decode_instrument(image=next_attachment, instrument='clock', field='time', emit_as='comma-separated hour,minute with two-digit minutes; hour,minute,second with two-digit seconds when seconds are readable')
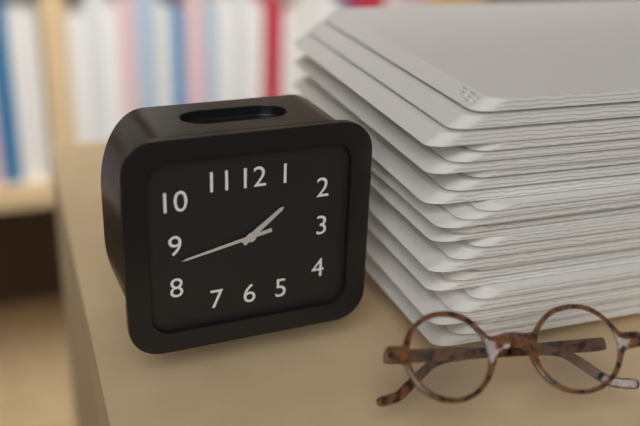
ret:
1,43
